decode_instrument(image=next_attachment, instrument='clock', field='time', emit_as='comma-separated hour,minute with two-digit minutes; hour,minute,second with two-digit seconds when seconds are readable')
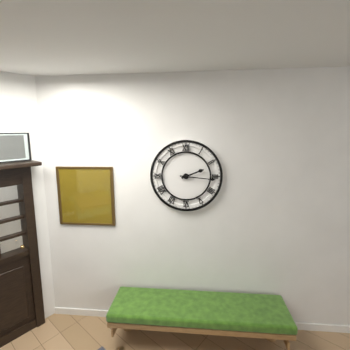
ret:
2,16
